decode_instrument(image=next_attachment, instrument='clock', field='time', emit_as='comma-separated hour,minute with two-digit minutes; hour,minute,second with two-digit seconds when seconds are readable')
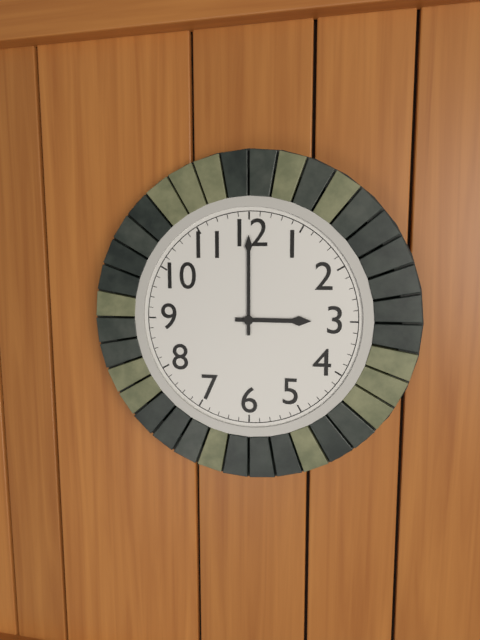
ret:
3,00
